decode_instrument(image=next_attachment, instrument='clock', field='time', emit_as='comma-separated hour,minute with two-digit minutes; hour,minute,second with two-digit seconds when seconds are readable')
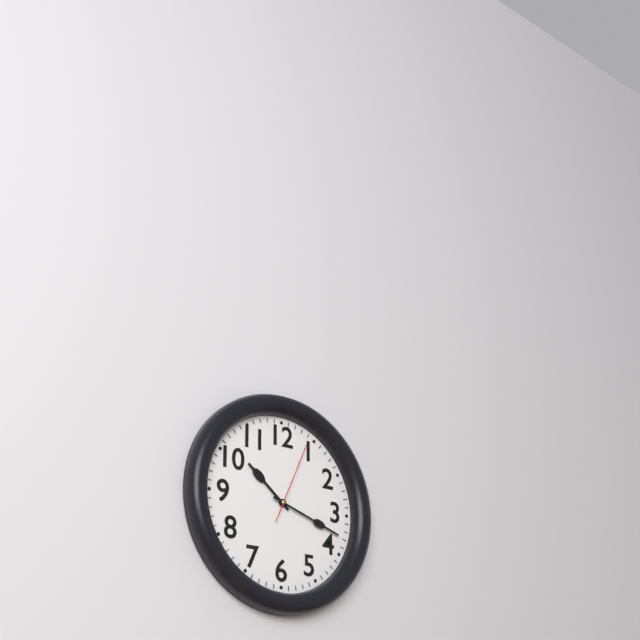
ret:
10,18,04
